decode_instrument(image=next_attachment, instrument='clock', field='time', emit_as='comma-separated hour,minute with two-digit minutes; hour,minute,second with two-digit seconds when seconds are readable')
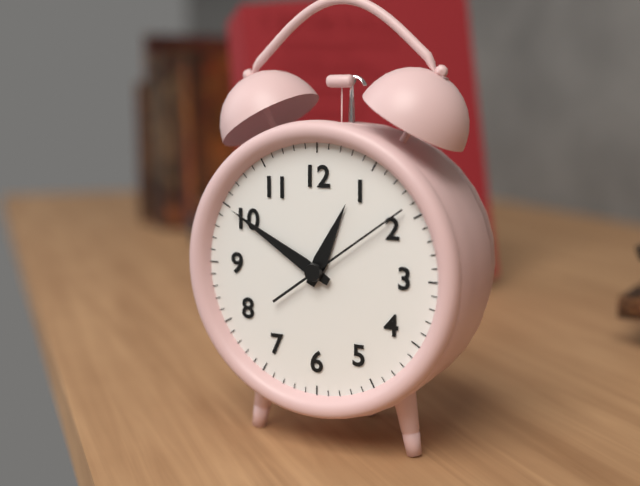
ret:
12,50,09
